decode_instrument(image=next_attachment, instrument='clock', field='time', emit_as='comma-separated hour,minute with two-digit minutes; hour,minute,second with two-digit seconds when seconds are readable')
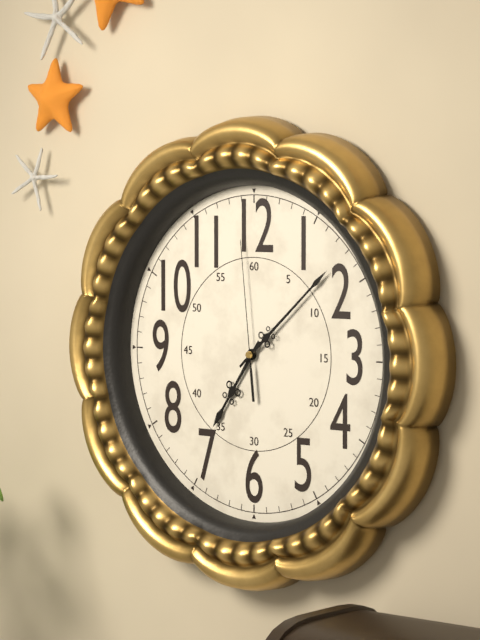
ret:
7,08,59
